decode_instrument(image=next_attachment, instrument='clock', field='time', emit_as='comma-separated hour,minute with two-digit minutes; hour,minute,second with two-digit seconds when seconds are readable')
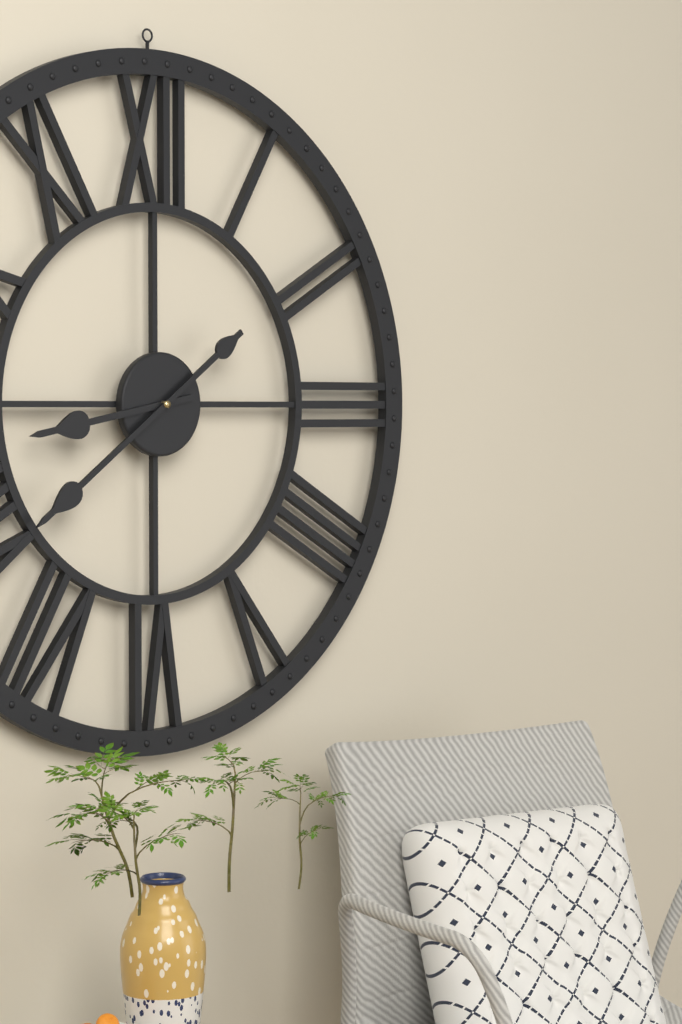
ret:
8,39
